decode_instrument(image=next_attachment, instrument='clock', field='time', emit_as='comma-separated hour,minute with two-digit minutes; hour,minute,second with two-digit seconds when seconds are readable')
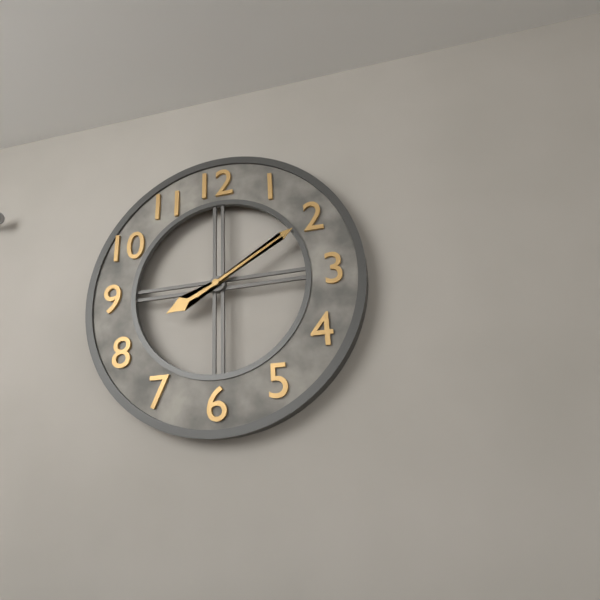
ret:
8,10
